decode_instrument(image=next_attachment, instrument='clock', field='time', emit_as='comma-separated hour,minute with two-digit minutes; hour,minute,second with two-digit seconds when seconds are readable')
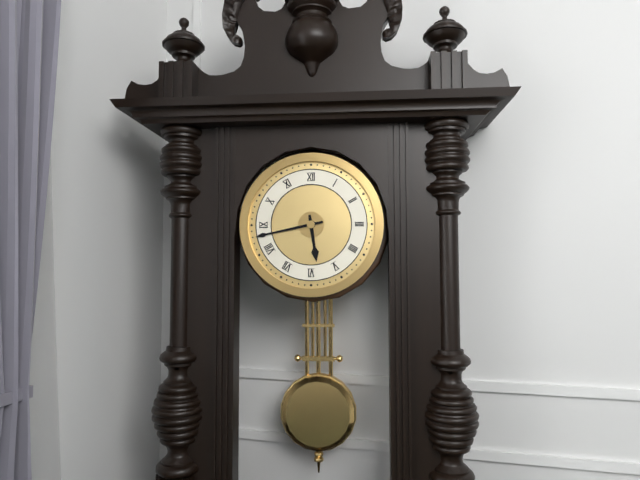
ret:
5,43
